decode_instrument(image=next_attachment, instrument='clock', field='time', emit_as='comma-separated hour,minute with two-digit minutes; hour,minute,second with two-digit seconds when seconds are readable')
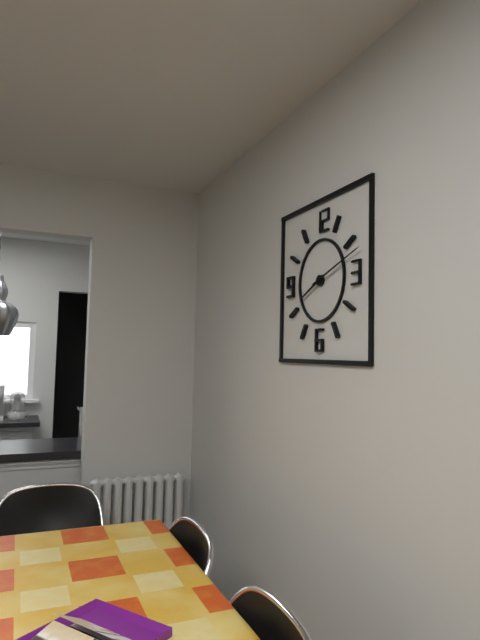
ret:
8,12
